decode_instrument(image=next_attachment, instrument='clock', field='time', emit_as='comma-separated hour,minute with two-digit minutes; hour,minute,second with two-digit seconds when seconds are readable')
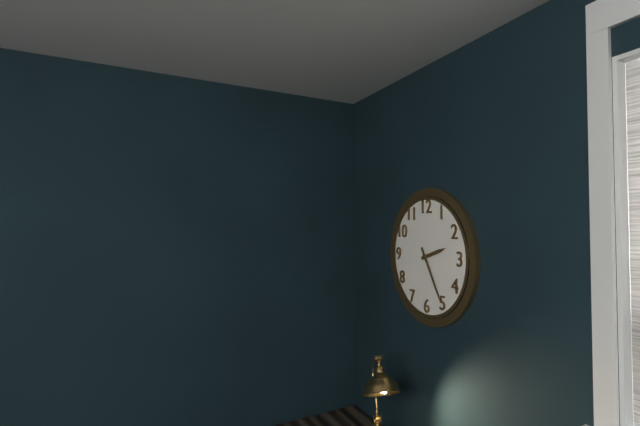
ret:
2,25
